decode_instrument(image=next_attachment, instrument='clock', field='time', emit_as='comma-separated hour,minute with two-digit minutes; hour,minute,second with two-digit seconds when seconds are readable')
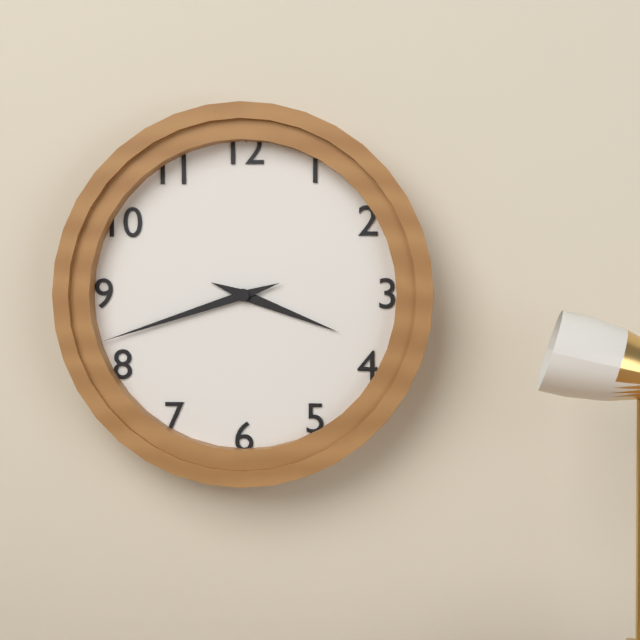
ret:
3,42
